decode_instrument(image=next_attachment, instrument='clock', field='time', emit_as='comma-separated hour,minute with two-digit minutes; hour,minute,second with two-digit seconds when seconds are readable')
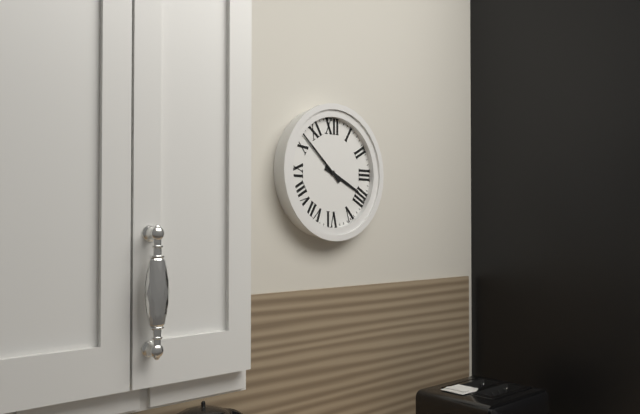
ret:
3,52
